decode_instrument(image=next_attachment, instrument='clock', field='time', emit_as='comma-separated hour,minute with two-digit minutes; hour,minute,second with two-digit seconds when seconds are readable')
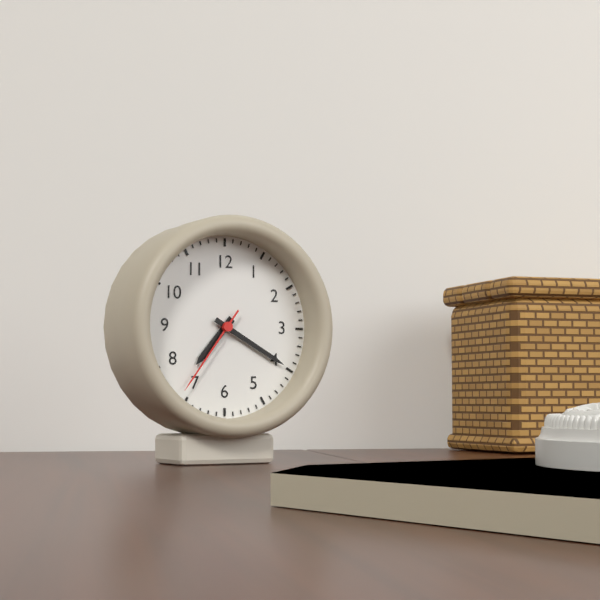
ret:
7,20,36
